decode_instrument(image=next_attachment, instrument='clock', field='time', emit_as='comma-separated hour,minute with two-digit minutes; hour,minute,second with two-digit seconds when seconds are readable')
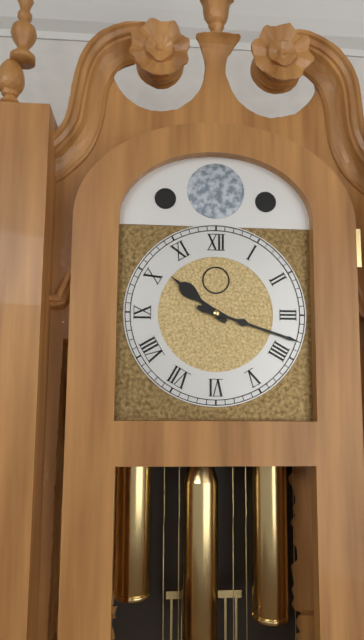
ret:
10,18
